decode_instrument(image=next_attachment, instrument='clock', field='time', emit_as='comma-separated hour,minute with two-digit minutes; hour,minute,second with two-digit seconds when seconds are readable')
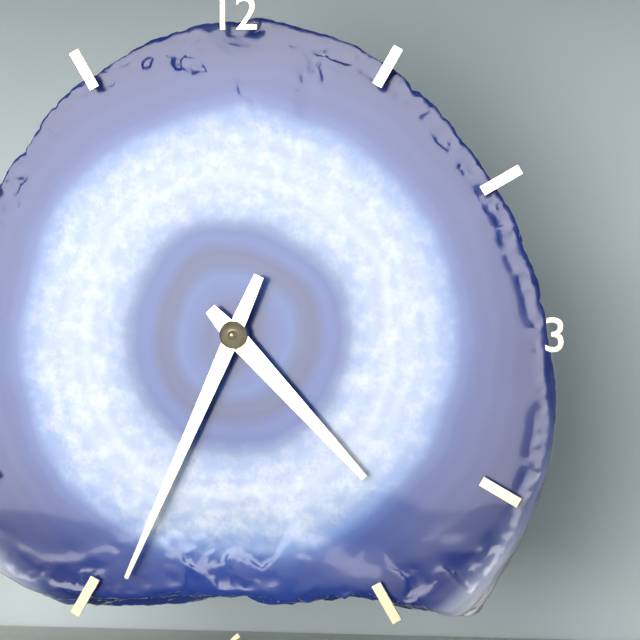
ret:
4,34
